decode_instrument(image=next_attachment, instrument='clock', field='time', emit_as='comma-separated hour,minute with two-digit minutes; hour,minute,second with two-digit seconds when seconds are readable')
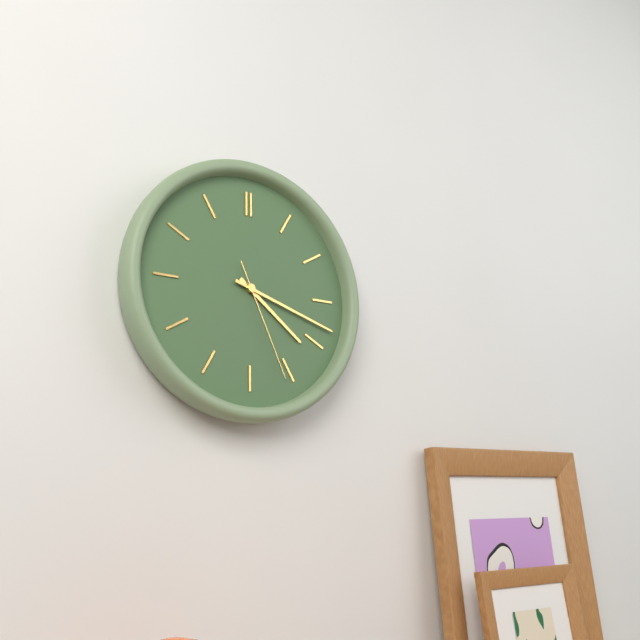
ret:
4,18,26
